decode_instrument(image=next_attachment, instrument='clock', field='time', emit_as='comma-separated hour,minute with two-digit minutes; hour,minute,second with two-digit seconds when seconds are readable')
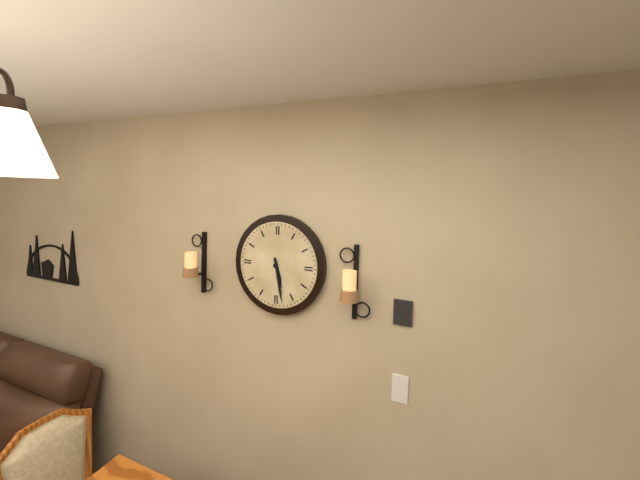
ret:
5,28
